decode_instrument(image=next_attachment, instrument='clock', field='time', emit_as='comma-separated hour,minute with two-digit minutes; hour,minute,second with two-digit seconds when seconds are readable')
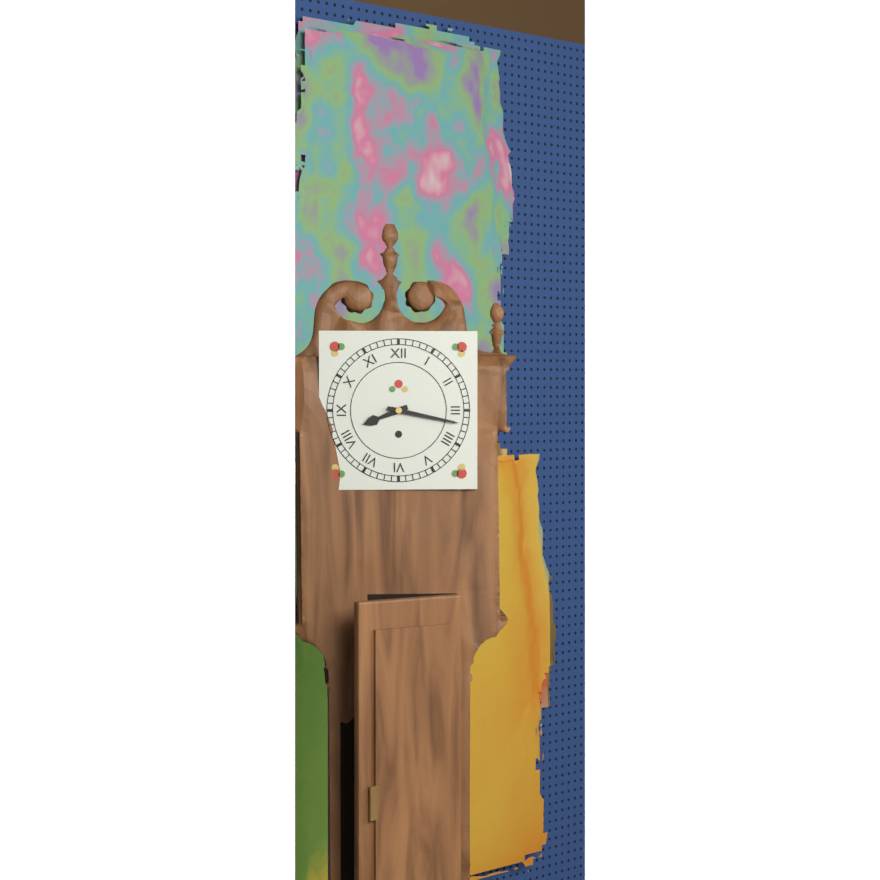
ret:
8,17
